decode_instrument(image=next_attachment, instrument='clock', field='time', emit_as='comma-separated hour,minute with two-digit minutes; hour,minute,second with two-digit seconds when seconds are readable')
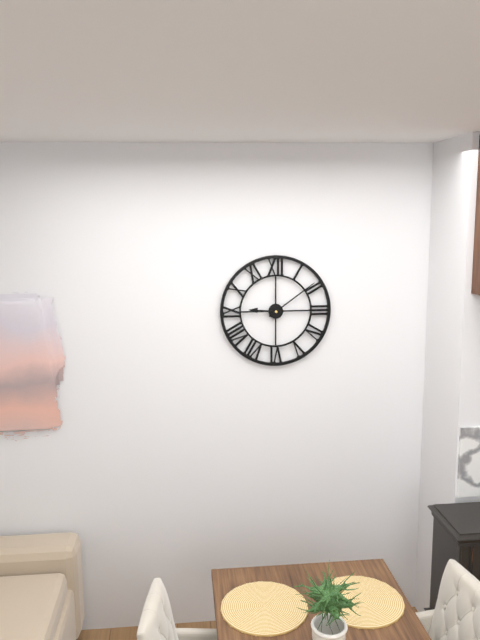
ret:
9,09
